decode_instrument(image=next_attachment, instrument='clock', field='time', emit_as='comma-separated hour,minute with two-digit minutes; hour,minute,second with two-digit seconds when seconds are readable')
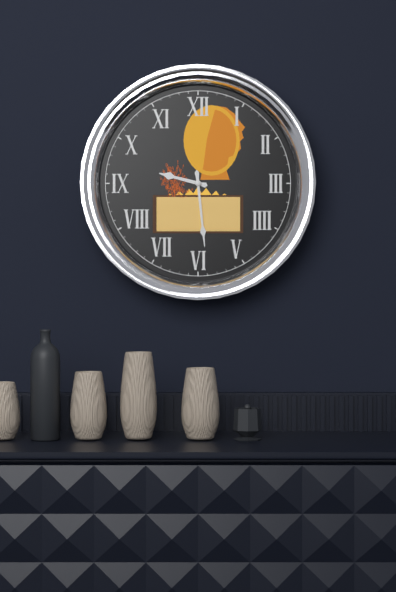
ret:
9,29
